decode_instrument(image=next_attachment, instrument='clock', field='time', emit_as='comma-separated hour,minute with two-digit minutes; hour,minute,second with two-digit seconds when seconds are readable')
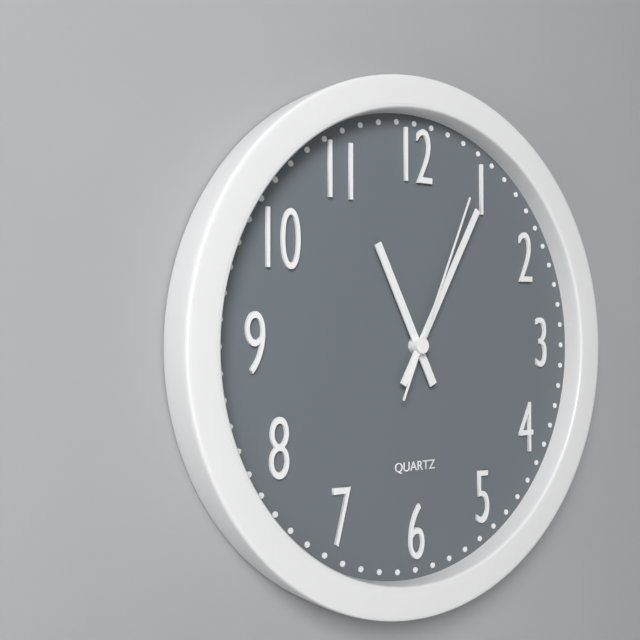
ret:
11,05,04
